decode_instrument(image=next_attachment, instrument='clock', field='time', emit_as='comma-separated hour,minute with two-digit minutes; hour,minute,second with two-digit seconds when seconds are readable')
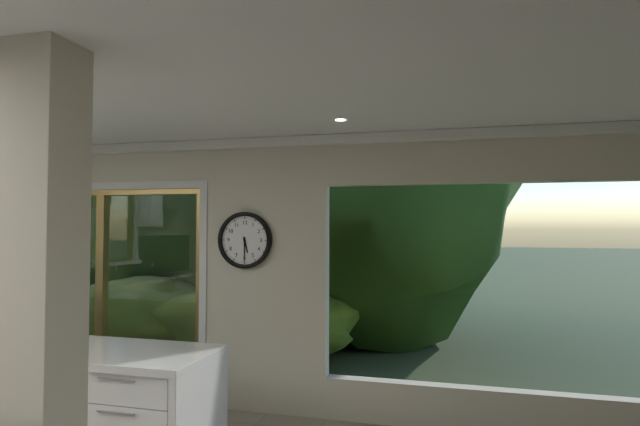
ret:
5,30
